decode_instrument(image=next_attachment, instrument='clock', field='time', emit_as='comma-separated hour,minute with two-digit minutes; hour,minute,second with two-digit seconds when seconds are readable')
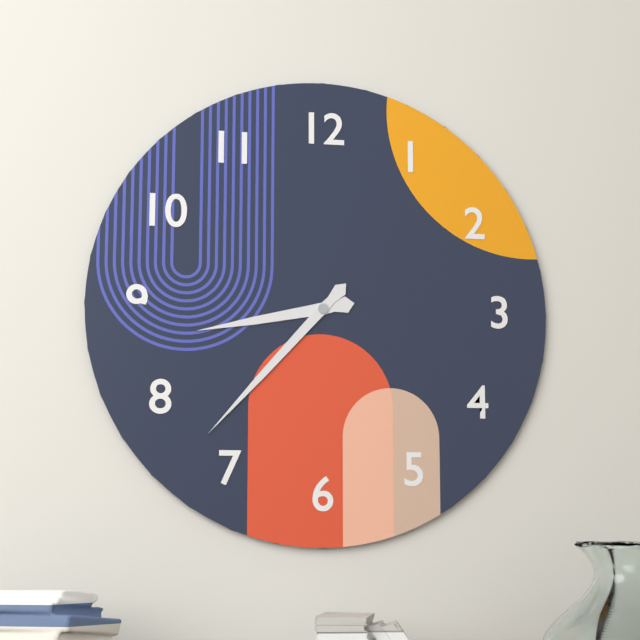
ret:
8,37
